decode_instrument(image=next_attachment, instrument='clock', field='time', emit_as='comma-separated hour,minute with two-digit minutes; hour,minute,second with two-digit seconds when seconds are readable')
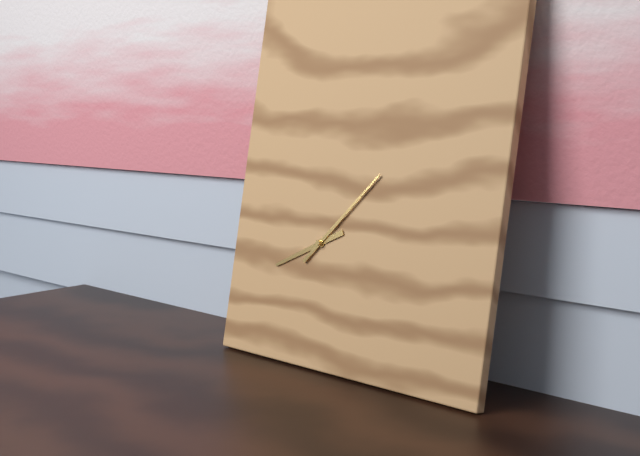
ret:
8,07
